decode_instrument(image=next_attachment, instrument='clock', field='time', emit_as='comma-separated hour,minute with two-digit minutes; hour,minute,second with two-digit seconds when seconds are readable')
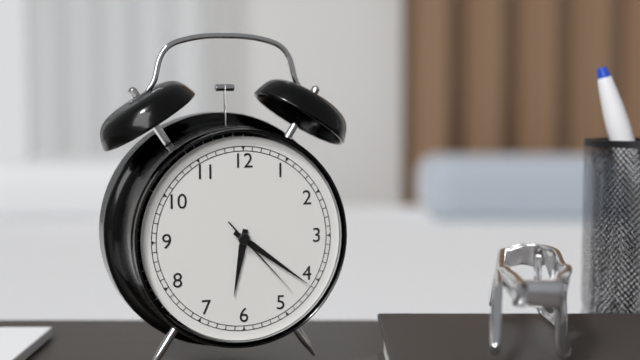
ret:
6,21,23
